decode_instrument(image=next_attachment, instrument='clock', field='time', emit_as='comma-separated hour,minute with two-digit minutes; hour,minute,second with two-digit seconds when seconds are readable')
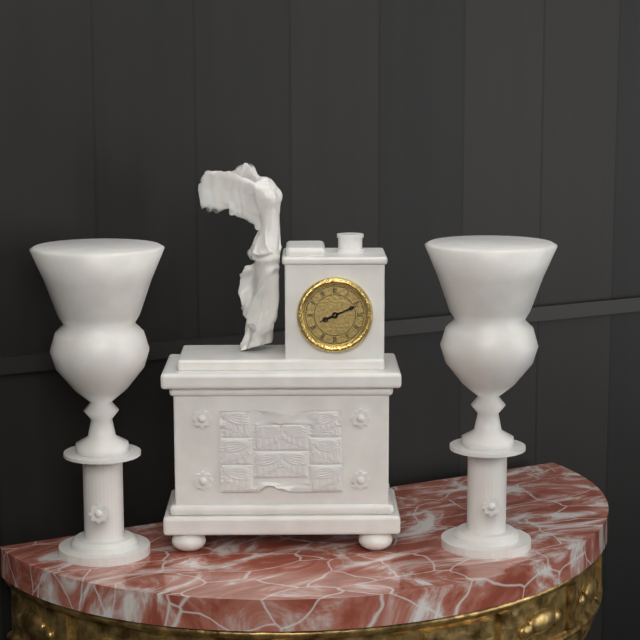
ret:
8,11
